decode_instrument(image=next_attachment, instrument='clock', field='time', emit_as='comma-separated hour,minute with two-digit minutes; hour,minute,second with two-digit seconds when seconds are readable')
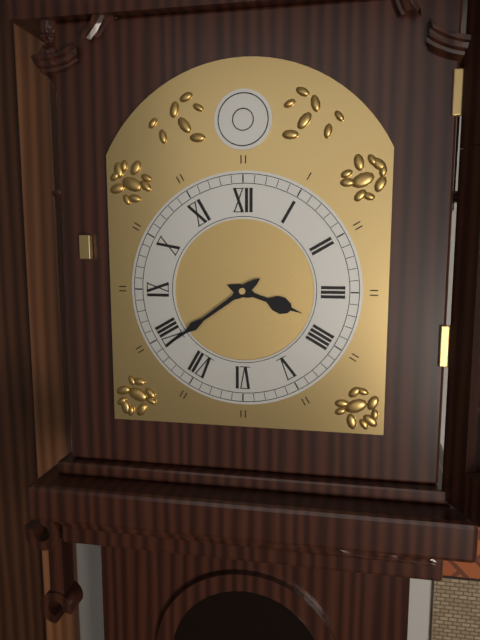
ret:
3,39
